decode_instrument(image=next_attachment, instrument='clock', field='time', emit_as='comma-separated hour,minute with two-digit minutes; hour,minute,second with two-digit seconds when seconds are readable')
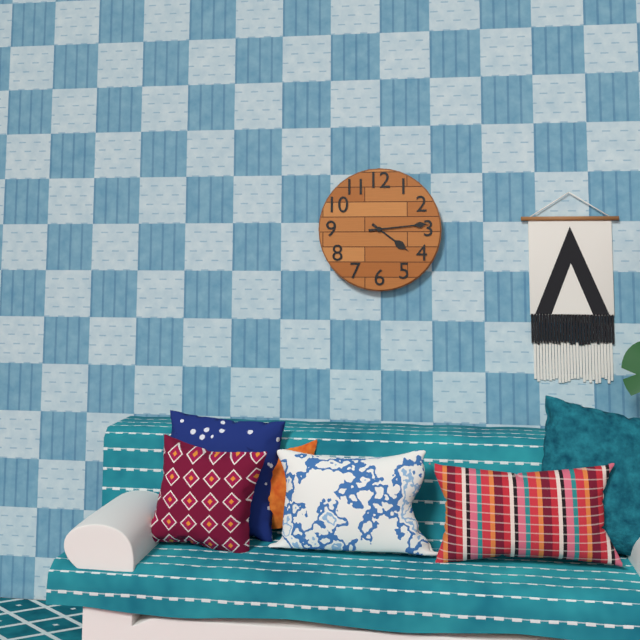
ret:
4,14
